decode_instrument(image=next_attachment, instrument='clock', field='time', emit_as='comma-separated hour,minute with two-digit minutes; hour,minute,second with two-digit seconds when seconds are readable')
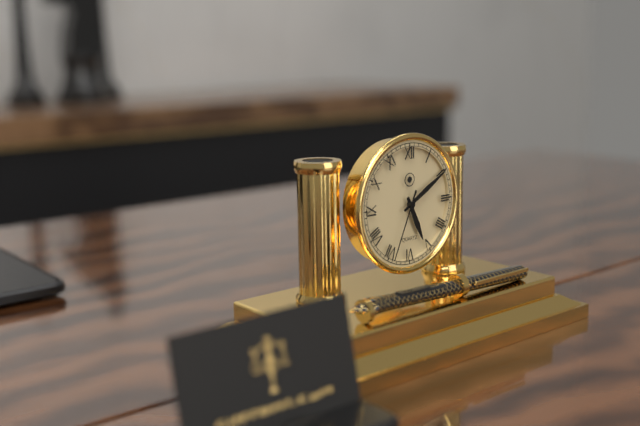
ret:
5,10,34
